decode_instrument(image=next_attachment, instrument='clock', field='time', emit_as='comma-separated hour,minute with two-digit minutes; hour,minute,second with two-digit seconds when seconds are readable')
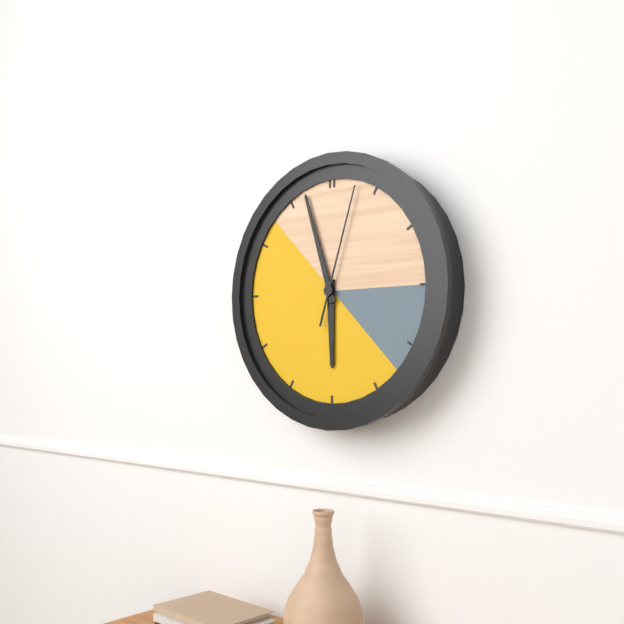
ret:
5,57,03
